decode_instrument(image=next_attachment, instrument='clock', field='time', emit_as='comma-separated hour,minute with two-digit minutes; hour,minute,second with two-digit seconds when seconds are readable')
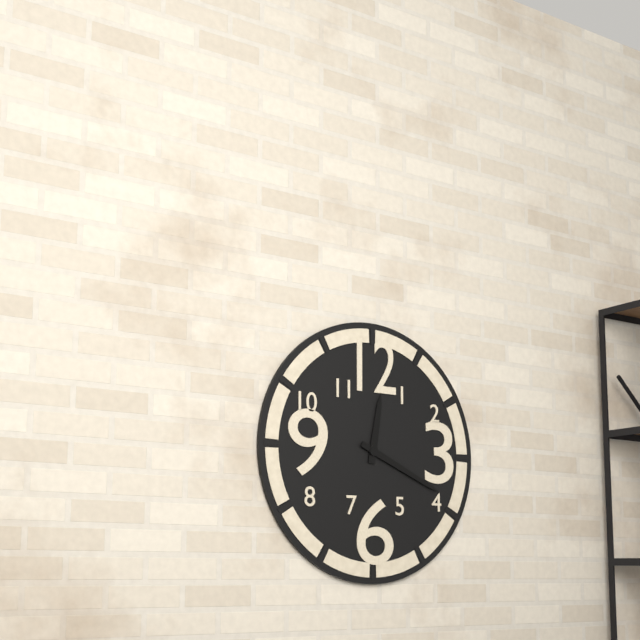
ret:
12,19
